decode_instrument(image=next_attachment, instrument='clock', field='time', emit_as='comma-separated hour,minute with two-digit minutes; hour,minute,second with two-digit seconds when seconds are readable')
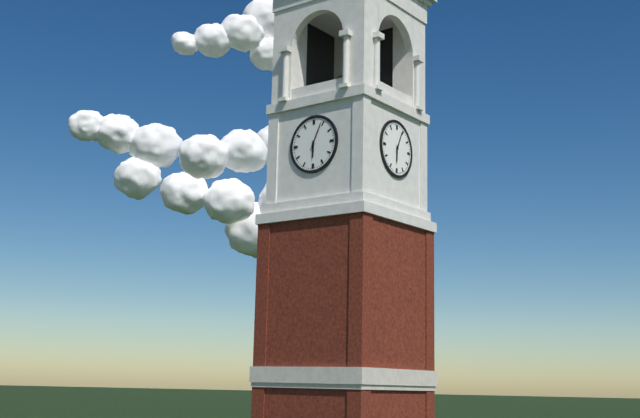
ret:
6,04
